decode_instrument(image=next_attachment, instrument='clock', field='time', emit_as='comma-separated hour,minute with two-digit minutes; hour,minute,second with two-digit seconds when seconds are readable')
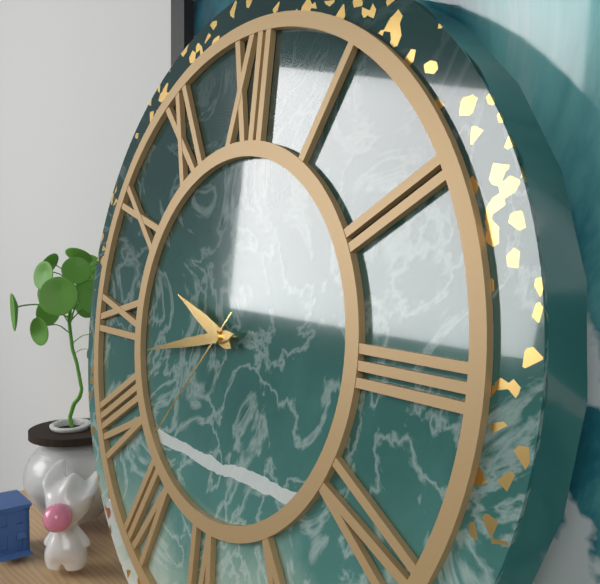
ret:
9,43,37
